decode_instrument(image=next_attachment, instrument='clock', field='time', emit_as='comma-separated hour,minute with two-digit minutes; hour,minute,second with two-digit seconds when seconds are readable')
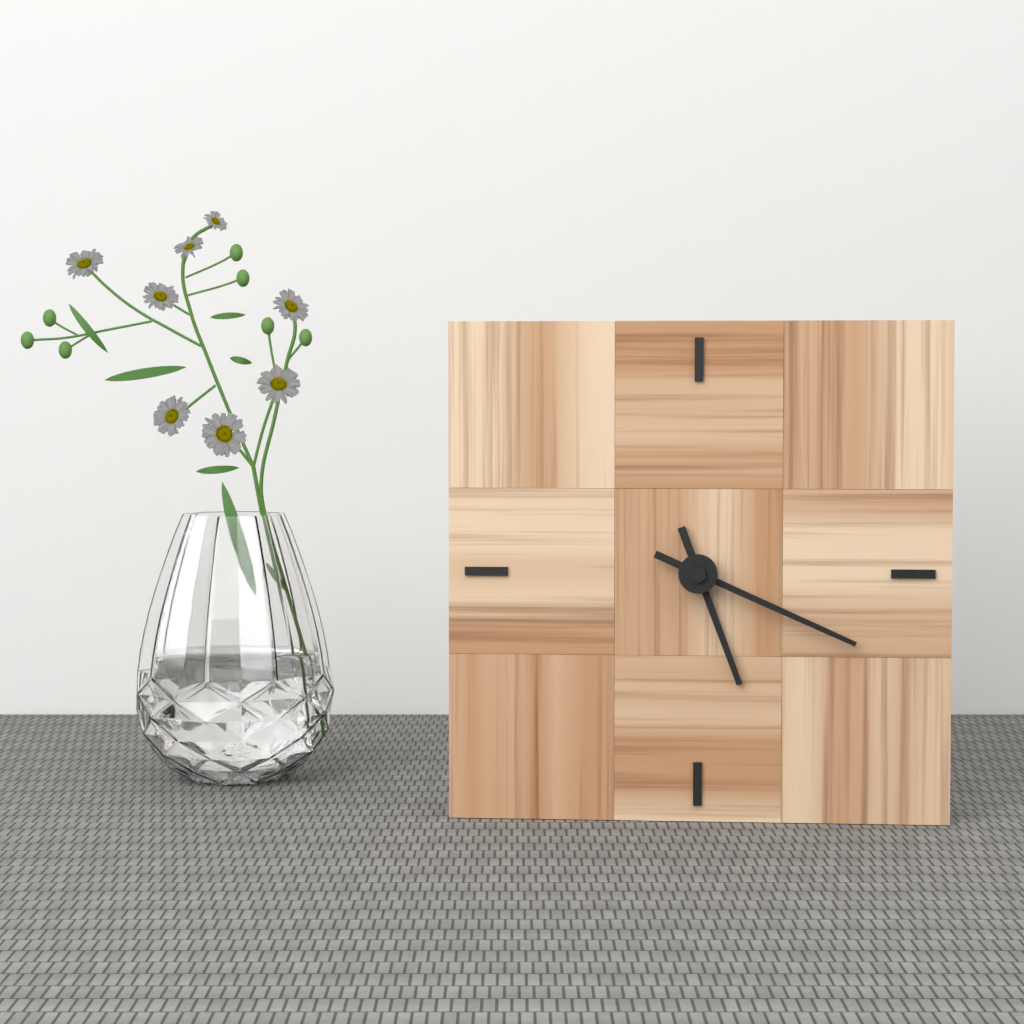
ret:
5,19
